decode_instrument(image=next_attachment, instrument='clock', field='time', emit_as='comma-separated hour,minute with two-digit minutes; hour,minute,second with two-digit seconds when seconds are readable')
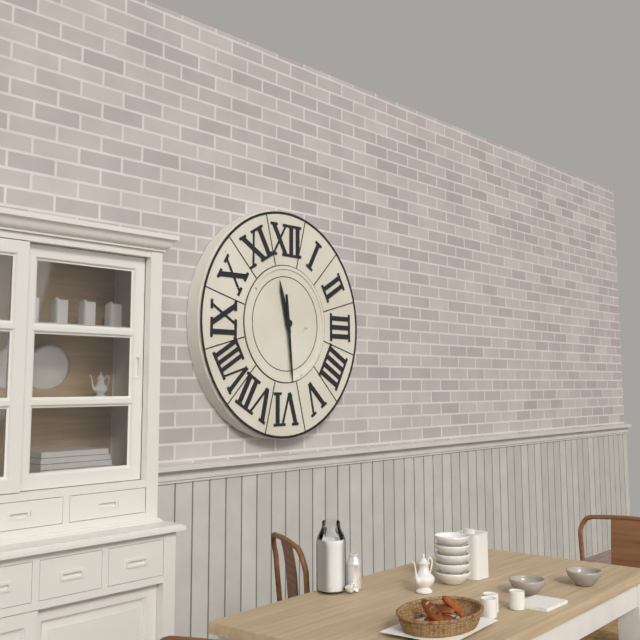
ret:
11,29
